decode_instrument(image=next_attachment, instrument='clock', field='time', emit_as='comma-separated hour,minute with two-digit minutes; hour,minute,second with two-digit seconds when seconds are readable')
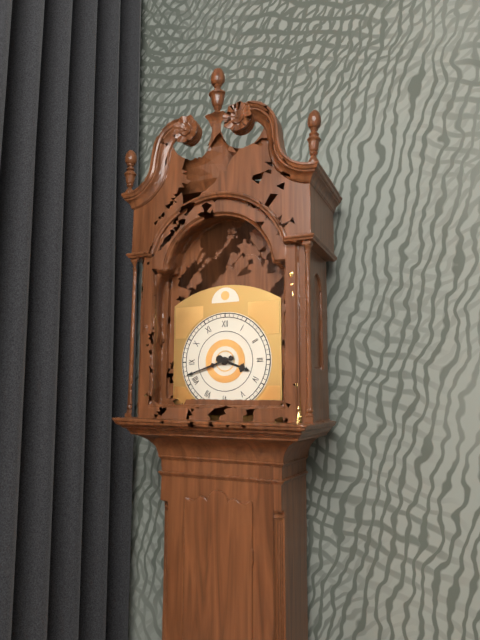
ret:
3,42
